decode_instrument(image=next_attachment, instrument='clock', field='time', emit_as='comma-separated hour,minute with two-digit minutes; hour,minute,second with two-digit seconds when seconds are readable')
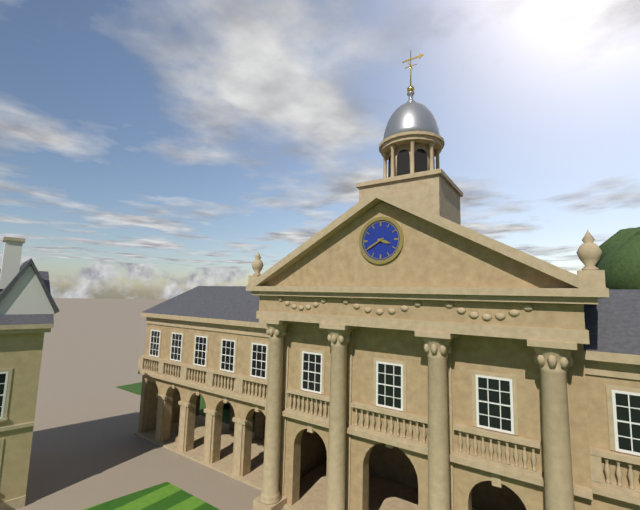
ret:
3,40
